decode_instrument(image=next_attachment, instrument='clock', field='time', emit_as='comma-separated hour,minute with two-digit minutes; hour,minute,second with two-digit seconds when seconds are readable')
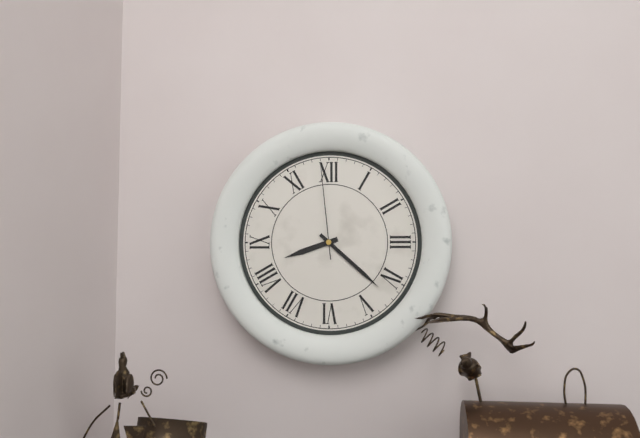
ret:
8,22,59
